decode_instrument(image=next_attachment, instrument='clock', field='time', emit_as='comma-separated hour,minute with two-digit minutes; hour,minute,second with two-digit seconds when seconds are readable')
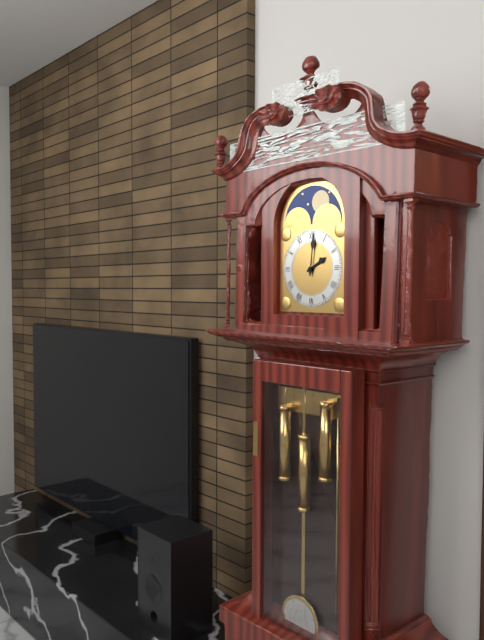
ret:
2,01
